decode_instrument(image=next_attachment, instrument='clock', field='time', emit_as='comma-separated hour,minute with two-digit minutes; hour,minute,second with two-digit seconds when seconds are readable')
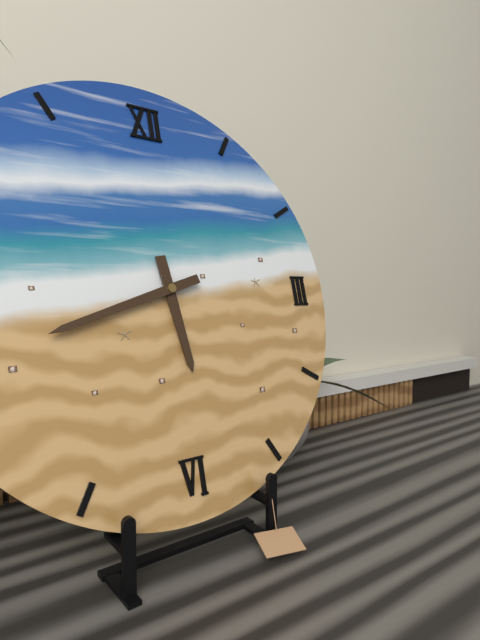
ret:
5,42
